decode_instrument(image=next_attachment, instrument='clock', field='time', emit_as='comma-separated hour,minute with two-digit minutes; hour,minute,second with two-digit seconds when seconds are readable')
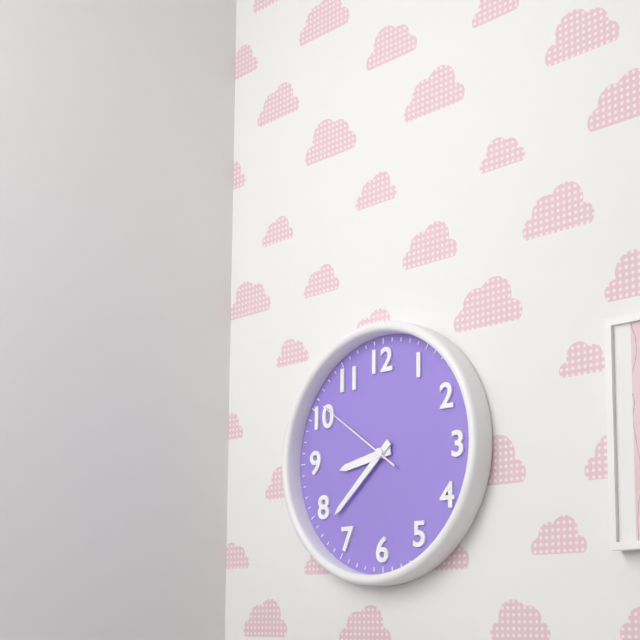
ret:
8,38,51
